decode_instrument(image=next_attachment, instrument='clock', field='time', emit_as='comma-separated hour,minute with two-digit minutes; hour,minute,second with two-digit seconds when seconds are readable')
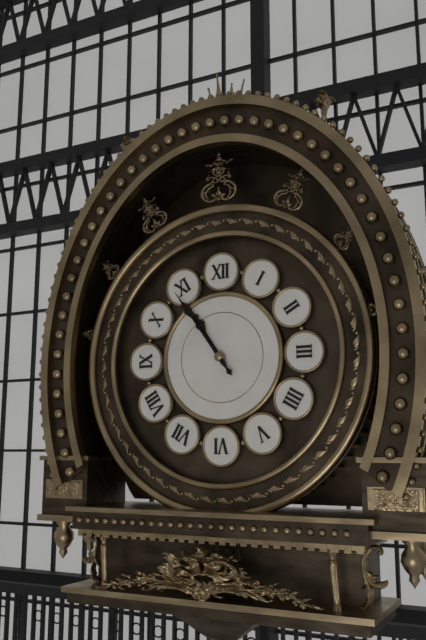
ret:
10,54
